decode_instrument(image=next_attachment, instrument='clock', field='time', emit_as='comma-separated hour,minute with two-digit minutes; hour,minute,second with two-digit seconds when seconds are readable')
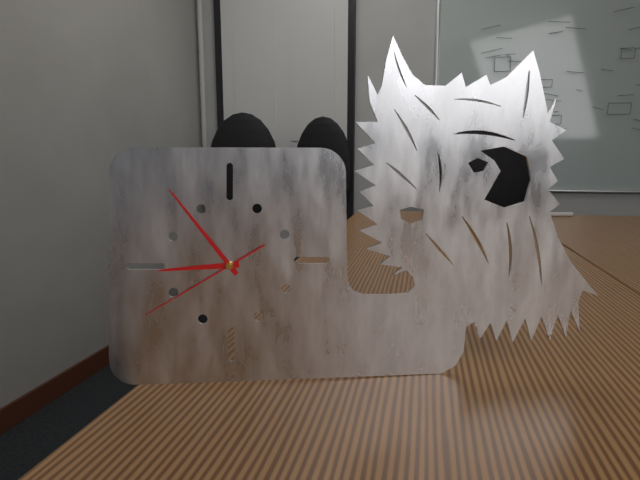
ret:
8,54,40
